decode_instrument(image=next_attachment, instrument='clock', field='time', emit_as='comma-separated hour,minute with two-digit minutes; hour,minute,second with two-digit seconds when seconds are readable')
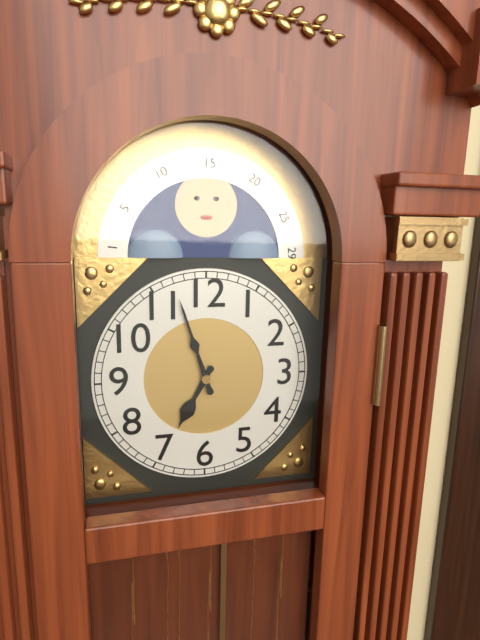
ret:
6,57
